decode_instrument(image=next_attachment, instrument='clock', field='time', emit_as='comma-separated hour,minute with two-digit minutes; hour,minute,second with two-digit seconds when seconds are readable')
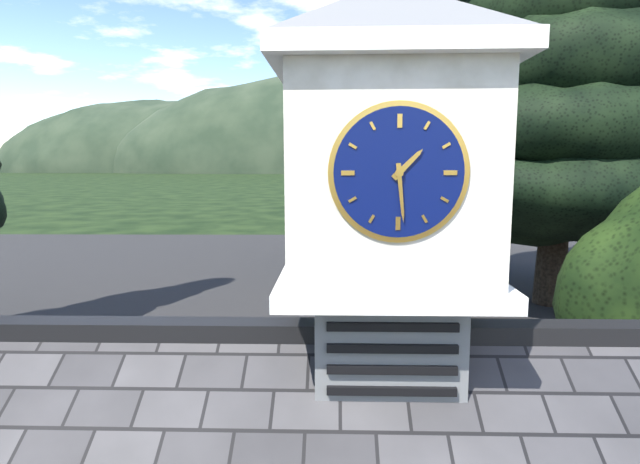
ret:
1,29
